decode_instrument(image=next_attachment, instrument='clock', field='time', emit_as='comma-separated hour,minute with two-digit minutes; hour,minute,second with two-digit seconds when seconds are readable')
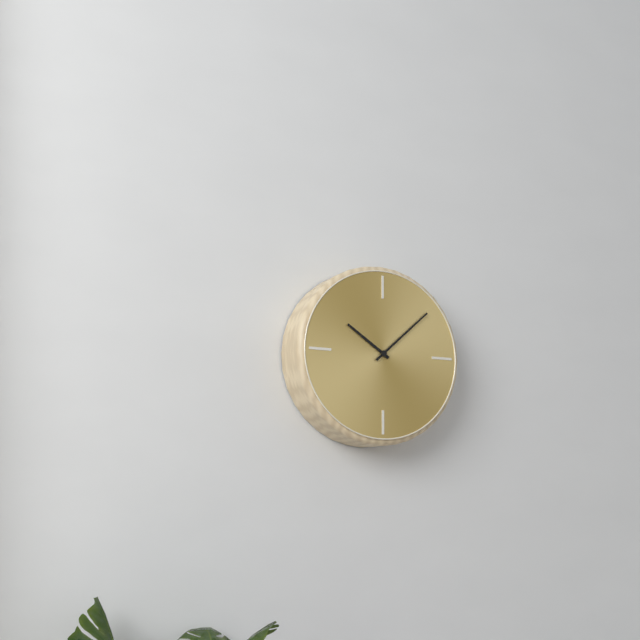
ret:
10,08
